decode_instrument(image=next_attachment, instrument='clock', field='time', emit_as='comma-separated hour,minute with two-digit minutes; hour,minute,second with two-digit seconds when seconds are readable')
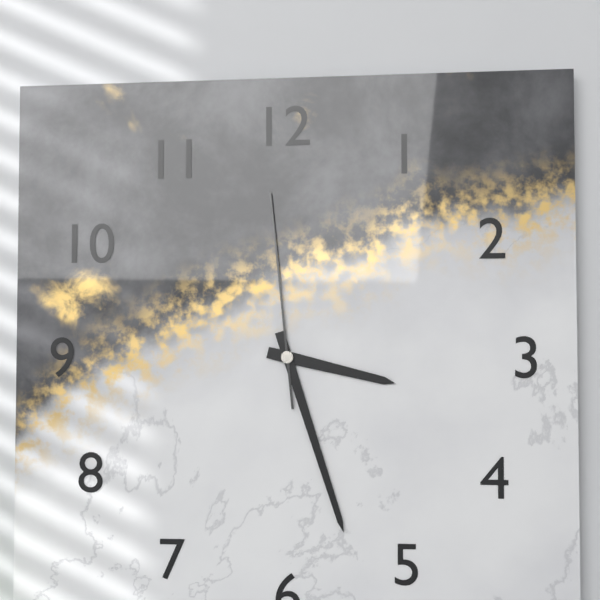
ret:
3,27,59
